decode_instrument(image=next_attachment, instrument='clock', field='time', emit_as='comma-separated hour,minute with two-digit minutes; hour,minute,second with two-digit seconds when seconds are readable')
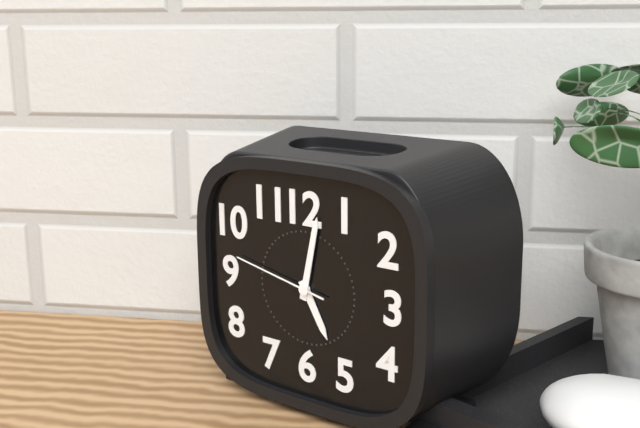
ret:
5,02,47
